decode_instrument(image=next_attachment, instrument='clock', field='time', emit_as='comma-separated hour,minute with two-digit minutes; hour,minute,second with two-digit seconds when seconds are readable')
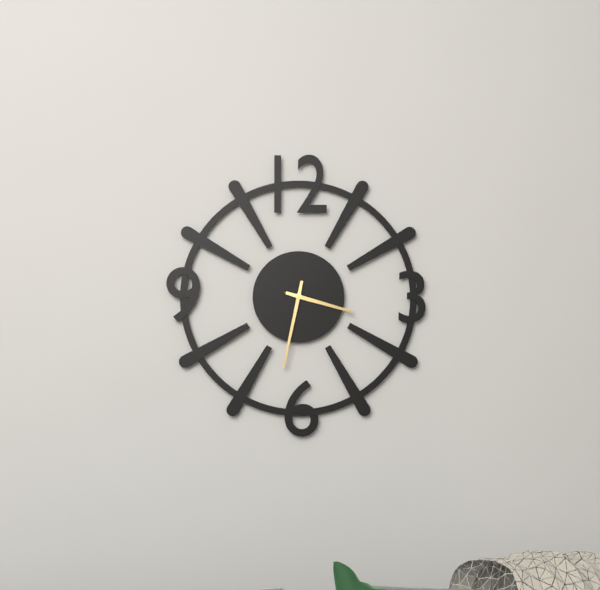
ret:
3,32
